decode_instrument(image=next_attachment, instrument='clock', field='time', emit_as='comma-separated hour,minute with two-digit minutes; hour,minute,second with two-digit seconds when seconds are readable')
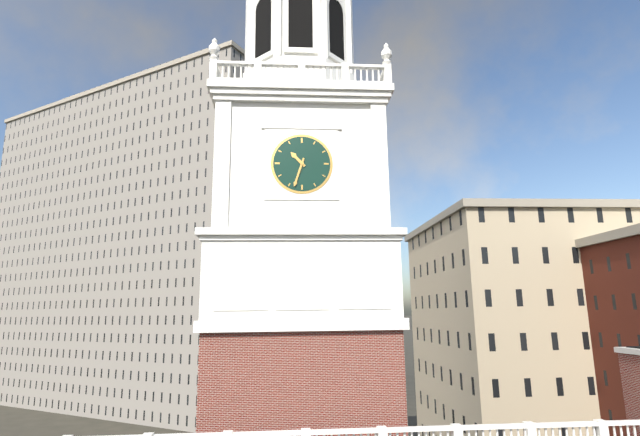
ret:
10,33
